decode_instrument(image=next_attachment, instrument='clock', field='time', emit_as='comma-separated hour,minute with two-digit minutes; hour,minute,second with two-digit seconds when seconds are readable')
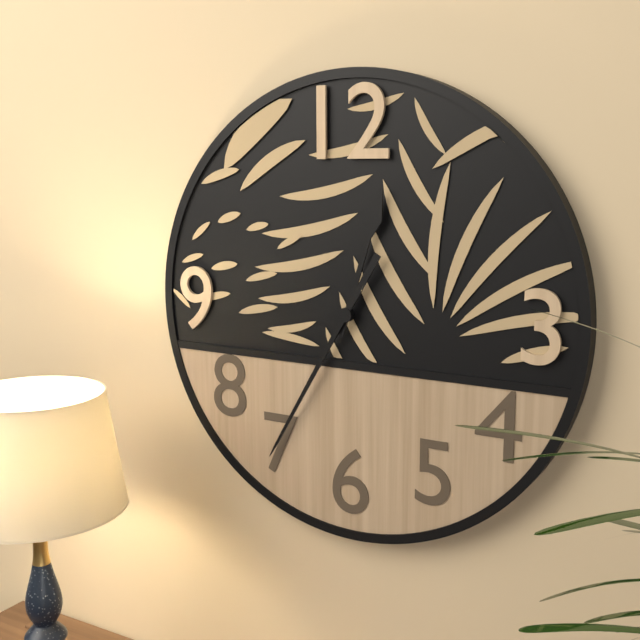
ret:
12,35
